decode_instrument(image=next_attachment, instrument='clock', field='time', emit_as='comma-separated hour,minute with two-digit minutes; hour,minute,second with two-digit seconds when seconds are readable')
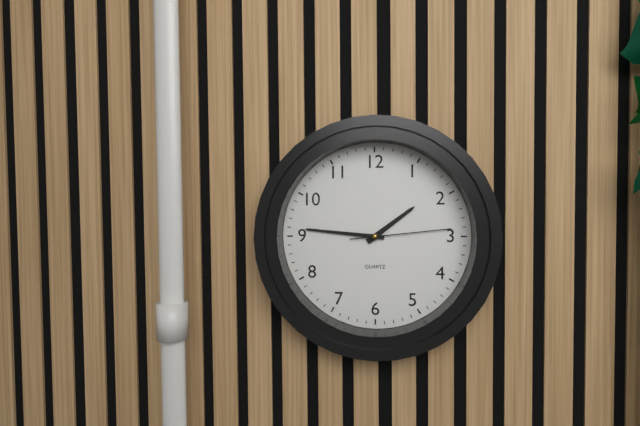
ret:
1,46,14
